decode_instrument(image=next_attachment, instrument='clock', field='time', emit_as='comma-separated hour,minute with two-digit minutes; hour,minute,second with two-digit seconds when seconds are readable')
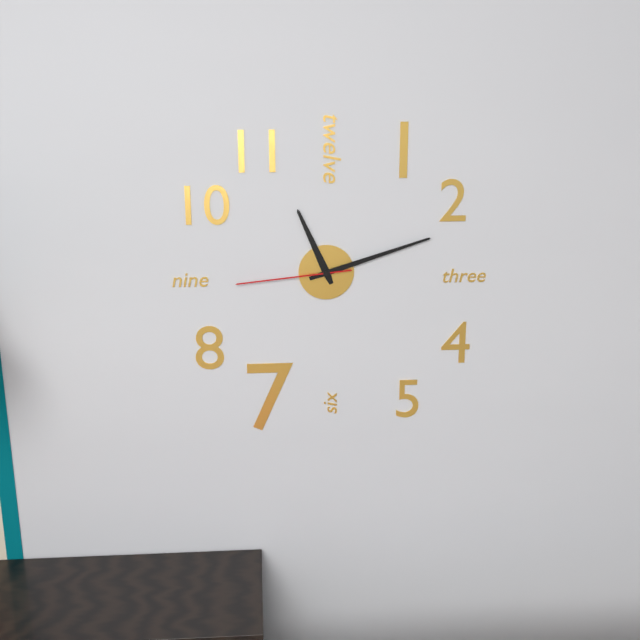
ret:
11,12,44
